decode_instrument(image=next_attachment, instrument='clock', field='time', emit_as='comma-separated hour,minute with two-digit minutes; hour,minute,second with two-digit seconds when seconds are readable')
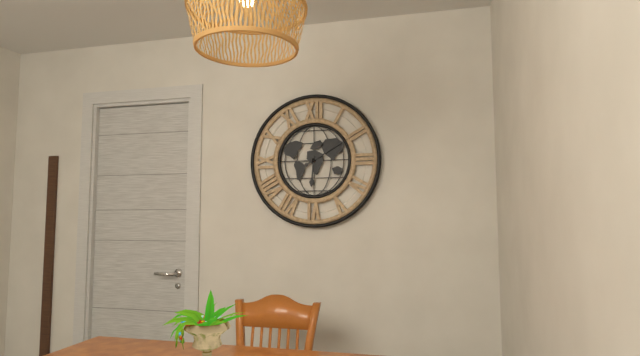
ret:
6,10
